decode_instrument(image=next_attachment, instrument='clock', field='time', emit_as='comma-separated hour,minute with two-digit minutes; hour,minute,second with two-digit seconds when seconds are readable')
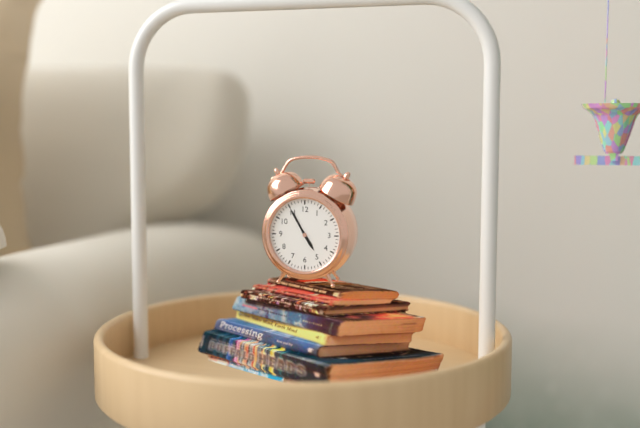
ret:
4,55
